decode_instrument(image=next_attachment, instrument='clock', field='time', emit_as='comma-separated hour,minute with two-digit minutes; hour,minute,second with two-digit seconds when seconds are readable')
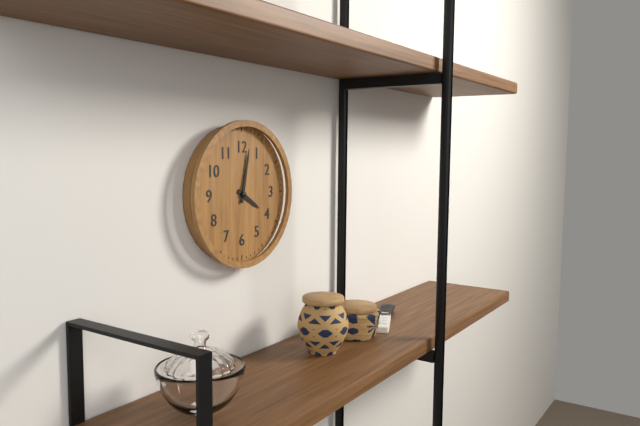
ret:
4,02
